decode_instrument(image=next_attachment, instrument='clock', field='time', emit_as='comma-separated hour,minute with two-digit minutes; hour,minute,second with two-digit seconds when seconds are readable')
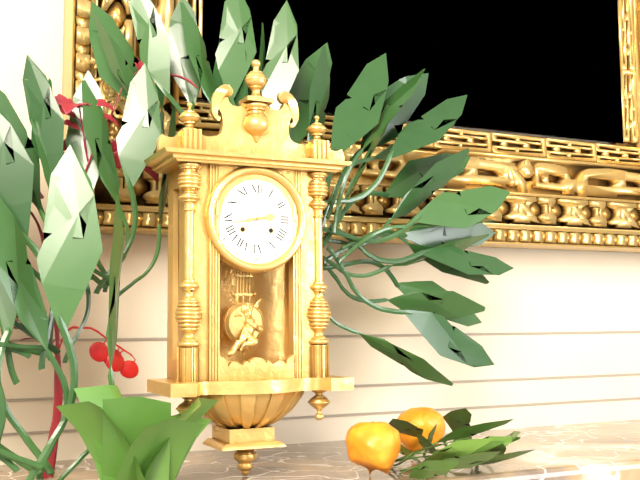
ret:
2,43
